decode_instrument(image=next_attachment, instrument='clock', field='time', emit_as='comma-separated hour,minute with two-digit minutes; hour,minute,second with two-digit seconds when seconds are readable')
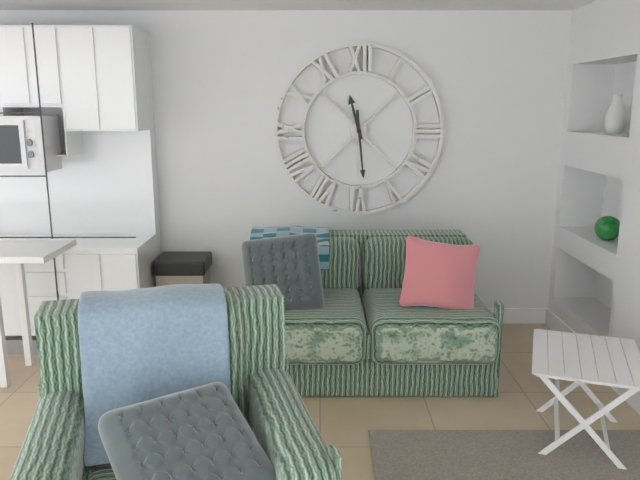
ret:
11,29
